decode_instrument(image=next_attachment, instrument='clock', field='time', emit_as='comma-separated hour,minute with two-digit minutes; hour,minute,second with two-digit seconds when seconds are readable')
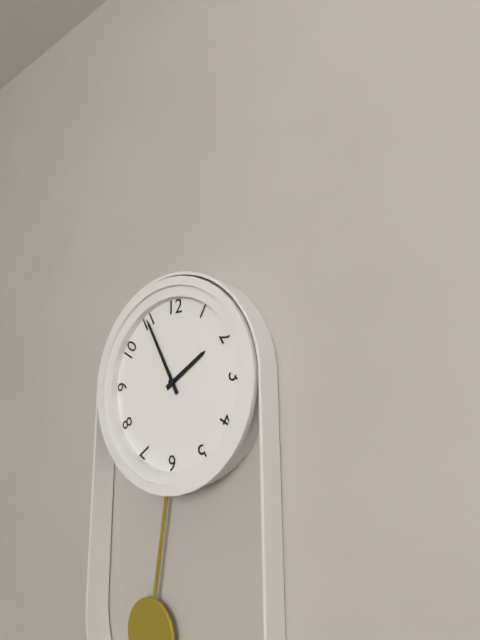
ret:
1,55
